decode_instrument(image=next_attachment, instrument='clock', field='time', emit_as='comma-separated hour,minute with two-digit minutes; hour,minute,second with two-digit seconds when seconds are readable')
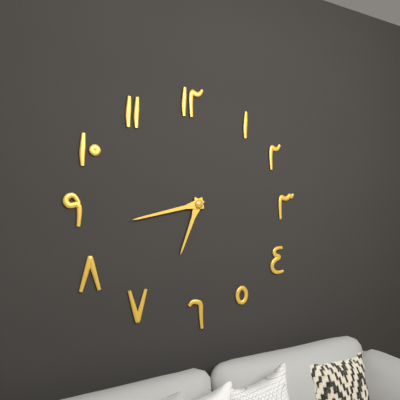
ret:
6,43
